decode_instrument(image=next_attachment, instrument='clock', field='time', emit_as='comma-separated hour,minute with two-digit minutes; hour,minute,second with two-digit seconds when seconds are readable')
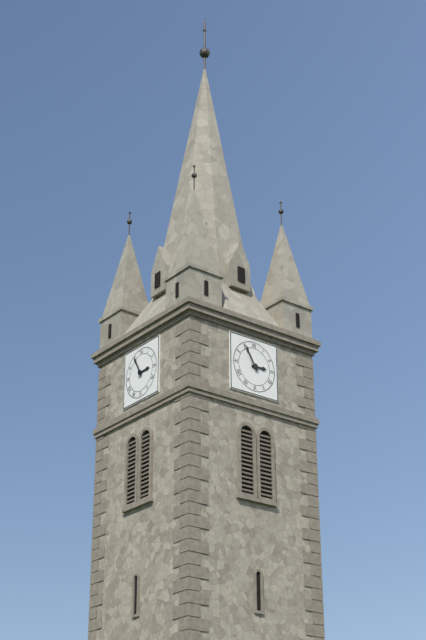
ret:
2,55
